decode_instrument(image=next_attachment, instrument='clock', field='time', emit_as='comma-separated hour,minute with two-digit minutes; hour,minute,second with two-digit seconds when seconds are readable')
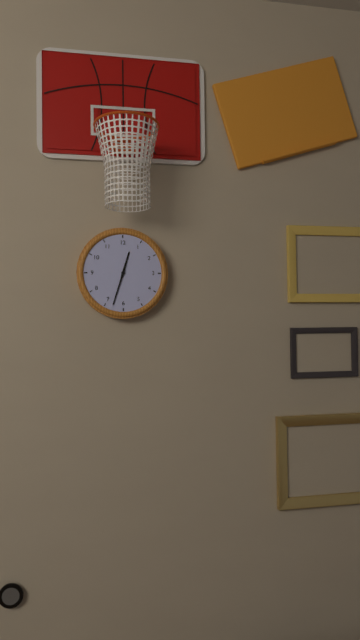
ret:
12,33
